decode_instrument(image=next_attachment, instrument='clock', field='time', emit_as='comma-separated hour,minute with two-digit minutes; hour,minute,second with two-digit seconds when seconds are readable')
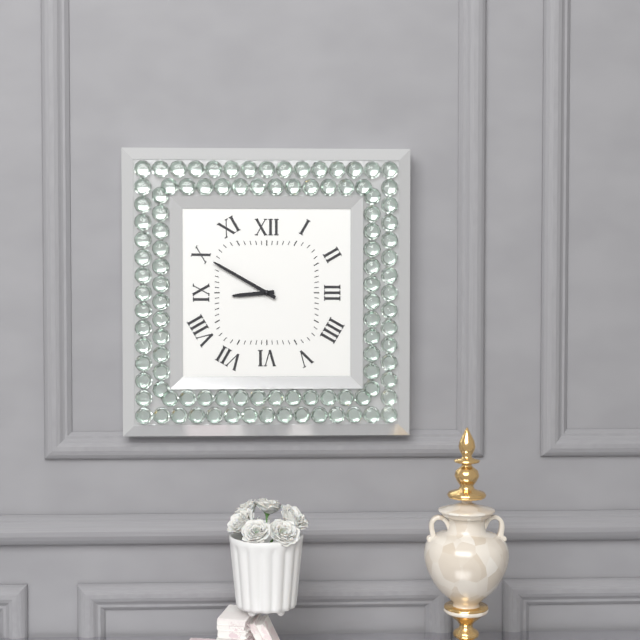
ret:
8,50
